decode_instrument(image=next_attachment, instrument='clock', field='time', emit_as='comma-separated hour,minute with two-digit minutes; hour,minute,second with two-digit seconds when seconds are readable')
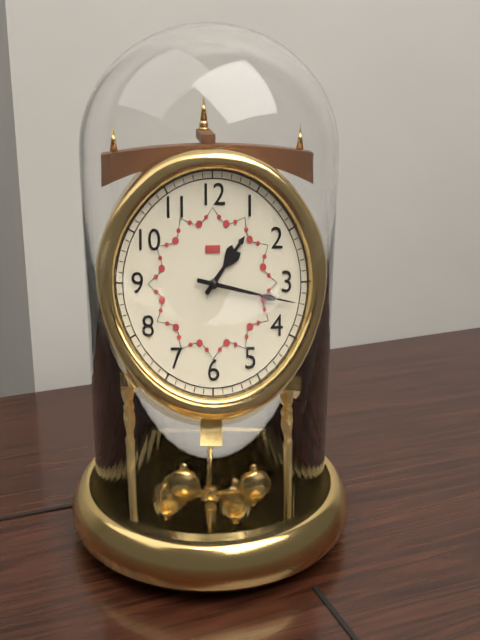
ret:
1,17
